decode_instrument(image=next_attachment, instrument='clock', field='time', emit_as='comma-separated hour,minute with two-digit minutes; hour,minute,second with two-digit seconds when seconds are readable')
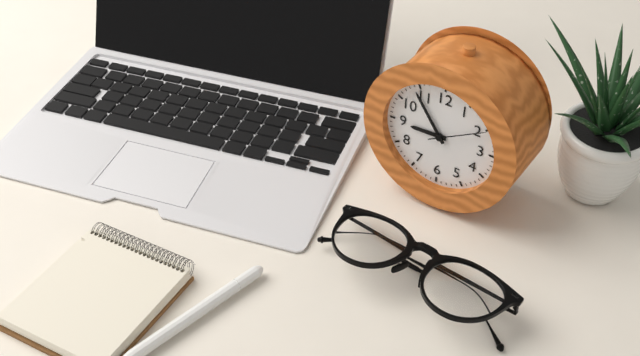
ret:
8,54,10
